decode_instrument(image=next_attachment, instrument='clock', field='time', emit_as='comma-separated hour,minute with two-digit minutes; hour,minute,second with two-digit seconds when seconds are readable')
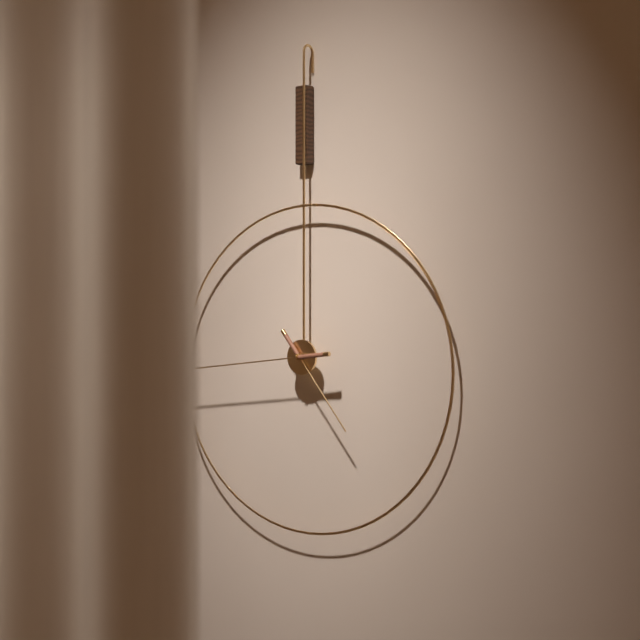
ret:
4,44
